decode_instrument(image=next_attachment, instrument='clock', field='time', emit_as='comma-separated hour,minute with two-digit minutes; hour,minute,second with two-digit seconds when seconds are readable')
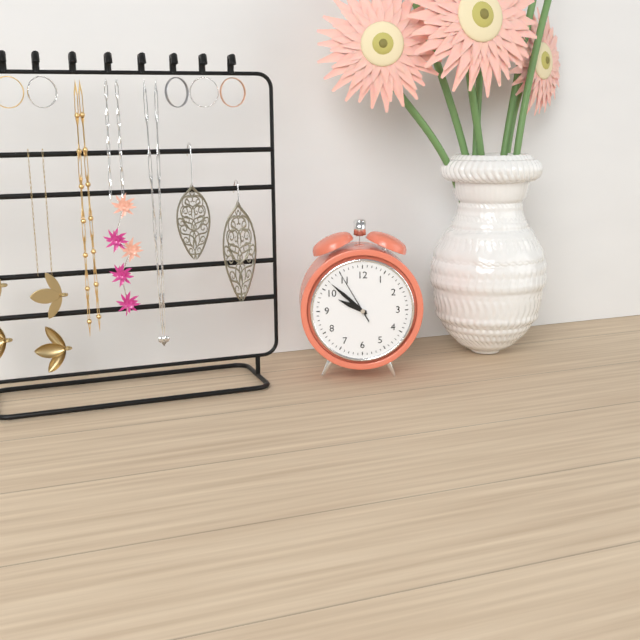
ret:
9,52,55
